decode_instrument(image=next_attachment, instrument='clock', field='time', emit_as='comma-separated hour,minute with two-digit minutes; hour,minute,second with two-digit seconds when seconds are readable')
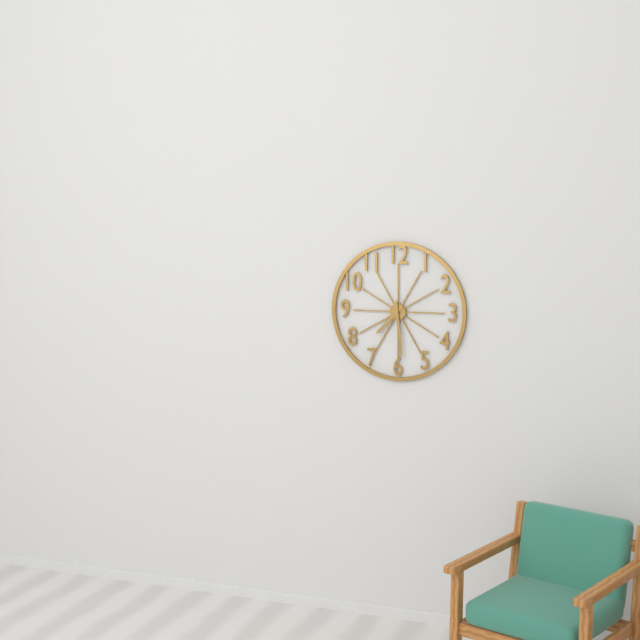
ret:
7,29
